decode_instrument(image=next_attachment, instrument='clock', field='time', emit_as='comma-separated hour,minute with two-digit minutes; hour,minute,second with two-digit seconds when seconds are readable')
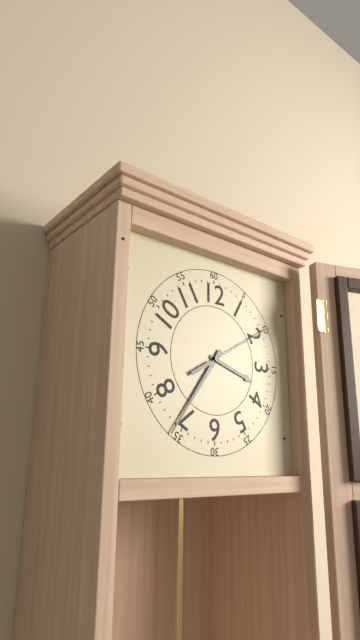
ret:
3,36,10
